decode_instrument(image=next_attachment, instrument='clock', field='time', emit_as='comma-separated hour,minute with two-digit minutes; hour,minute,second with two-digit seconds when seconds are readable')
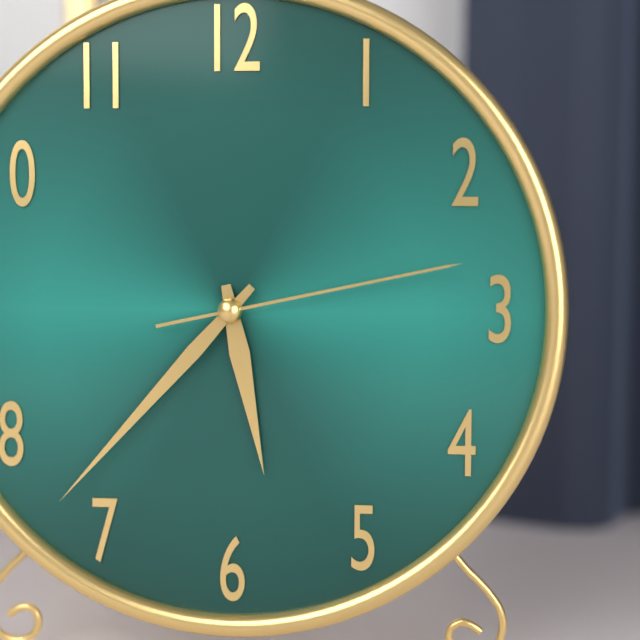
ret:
5,37,13
